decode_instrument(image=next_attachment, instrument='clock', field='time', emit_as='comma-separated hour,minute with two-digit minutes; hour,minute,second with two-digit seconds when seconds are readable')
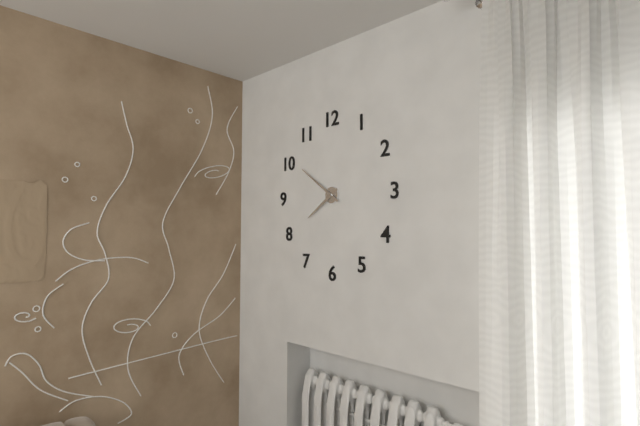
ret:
7,51
